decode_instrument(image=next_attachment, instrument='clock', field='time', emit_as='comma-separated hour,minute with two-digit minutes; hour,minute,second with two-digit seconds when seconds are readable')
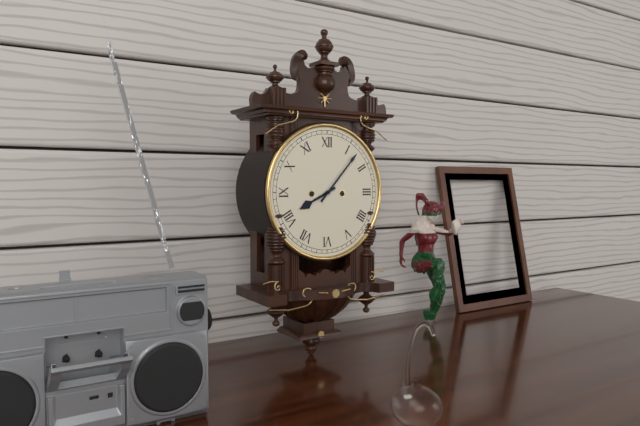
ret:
8,07
